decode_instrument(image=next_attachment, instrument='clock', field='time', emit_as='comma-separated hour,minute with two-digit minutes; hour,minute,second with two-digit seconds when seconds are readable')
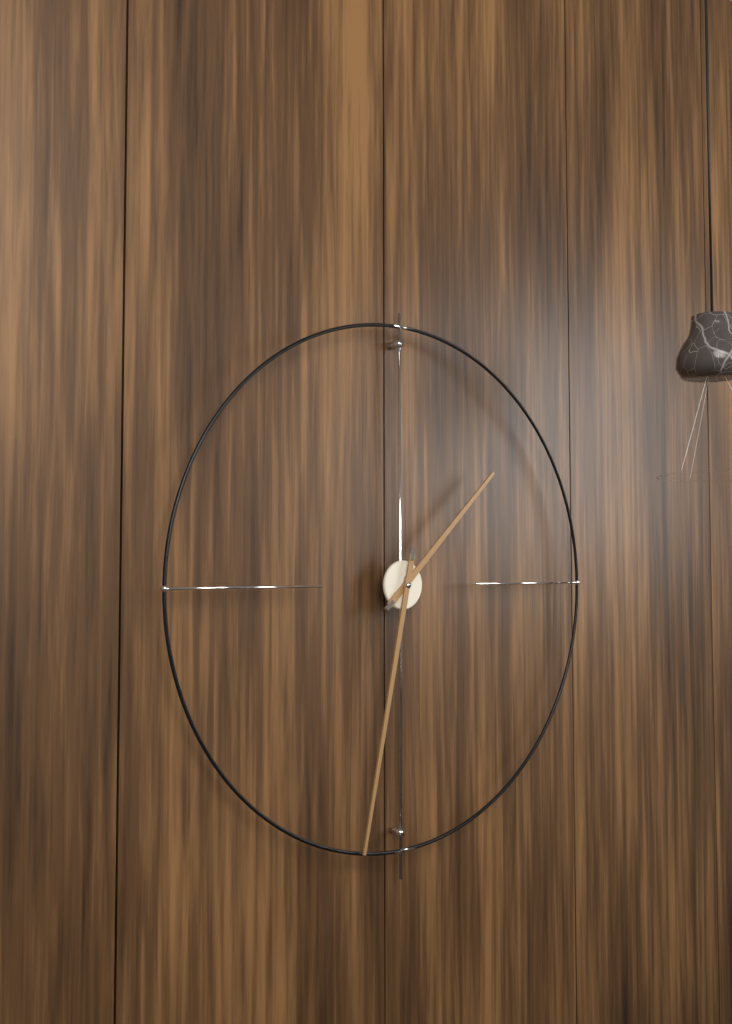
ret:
1,32
